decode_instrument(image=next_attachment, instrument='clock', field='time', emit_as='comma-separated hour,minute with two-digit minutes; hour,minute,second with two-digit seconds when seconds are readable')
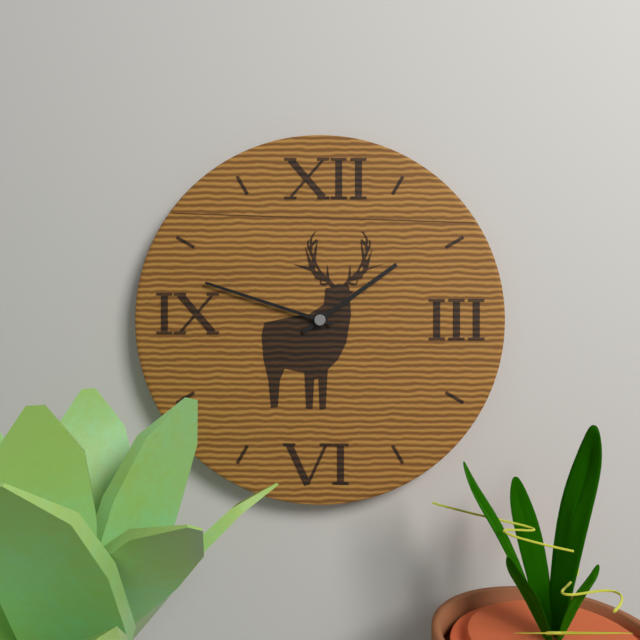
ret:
1,48
